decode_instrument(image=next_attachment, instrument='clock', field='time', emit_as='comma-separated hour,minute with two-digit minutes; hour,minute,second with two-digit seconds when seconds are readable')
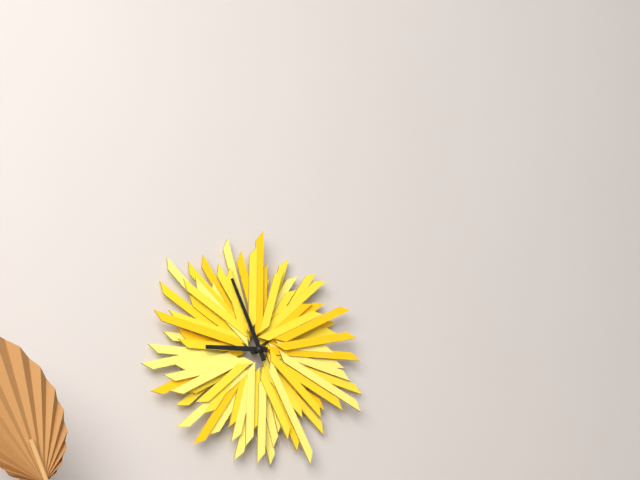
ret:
8,56
